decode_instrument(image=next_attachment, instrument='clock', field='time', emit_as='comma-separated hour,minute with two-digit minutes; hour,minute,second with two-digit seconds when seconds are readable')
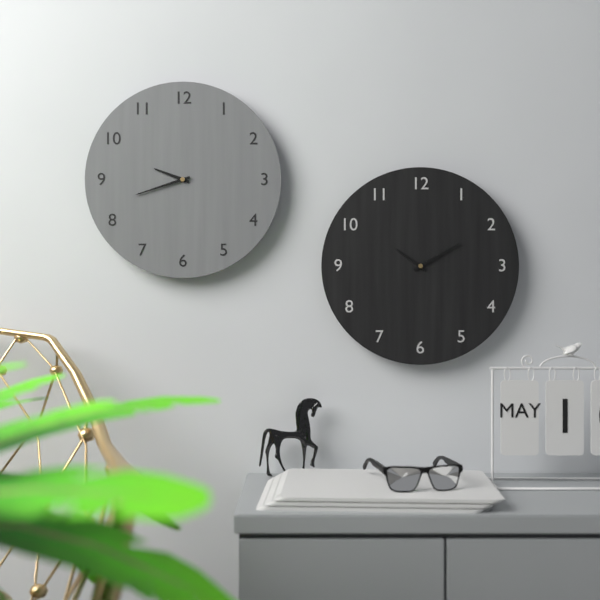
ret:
9,42
